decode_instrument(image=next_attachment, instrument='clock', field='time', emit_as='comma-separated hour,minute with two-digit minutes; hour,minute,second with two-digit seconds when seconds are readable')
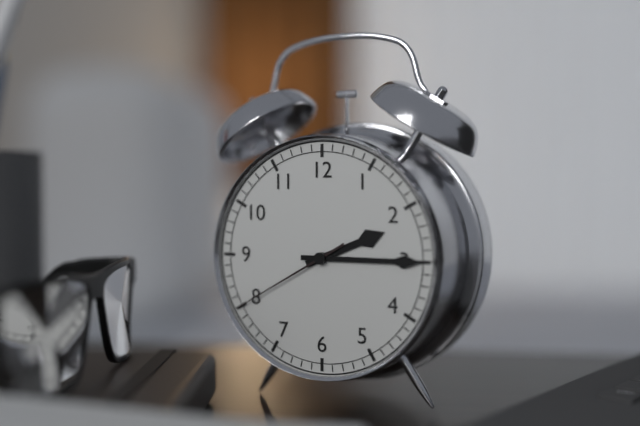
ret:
2,15,40
